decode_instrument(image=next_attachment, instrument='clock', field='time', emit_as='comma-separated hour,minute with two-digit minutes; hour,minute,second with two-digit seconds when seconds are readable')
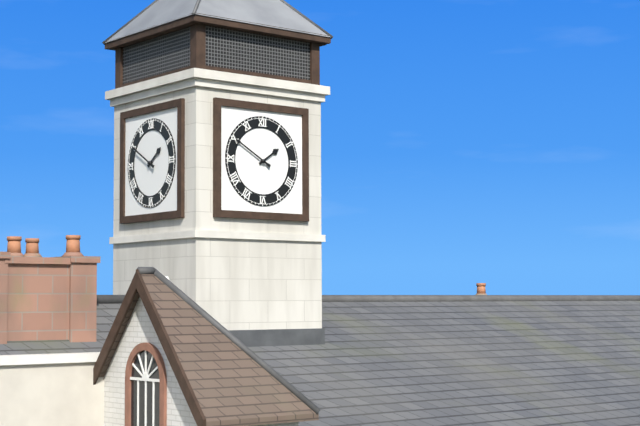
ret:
1,50
